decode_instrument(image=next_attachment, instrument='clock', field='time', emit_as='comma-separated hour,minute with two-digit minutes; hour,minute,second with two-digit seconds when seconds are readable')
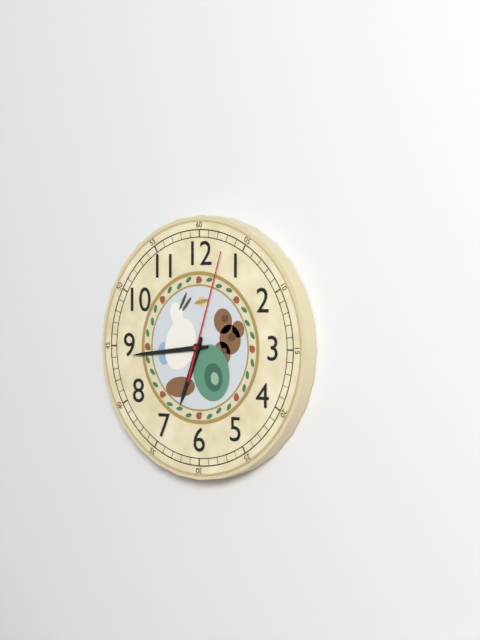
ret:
6,44,03
